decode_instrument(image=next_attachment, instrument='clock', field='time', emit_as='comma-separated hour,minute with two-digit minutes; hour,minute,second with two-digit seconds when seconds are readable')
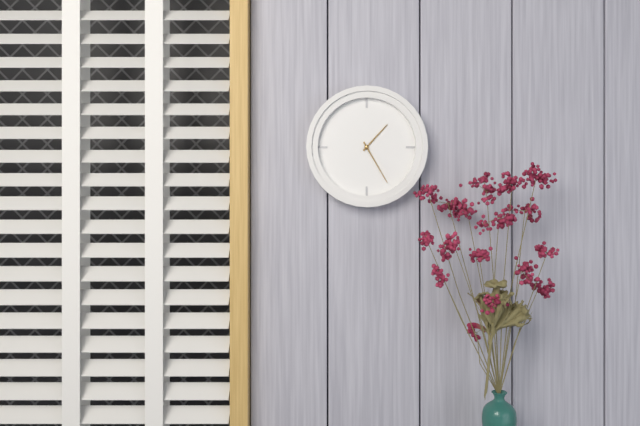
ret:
1,25
